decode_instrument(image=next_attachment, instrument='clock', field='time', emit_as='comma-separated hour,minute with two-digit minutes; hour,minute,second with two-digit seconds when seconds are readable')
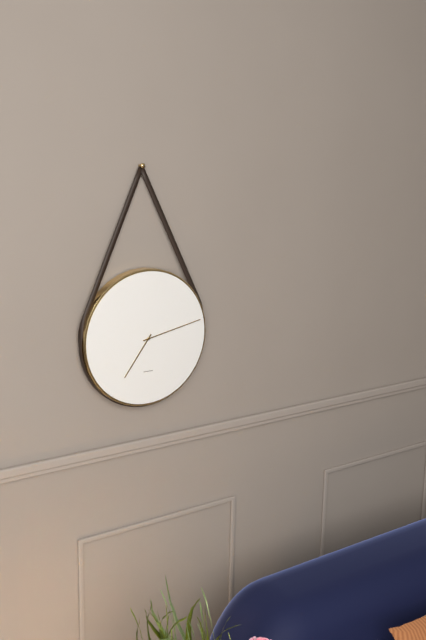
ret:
7,13
